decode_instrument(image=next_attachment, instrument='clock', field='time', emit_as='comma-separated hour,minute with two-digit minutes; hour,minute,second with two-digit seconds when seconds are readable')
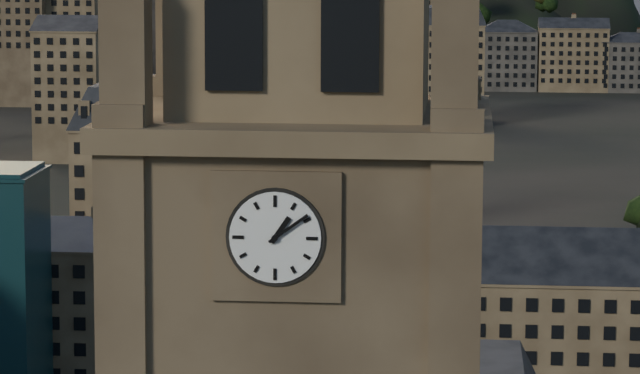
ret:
1,09
